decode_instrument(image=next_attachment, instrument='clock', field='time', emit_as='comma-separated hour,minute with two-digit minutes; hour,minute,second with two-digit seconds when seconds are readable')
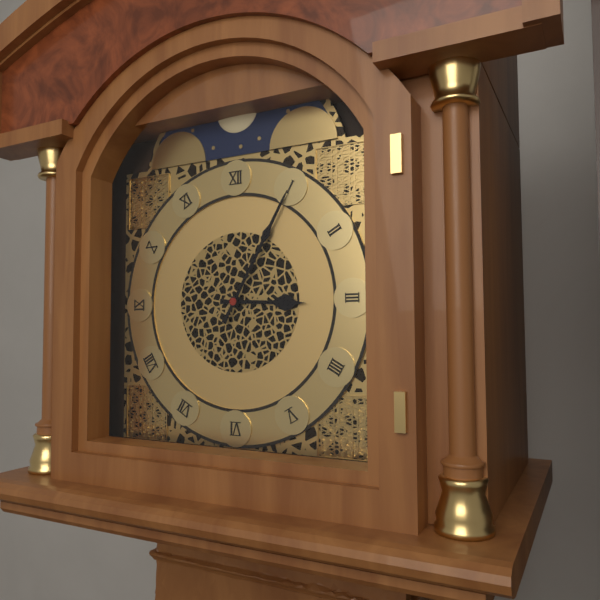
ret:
3,05
